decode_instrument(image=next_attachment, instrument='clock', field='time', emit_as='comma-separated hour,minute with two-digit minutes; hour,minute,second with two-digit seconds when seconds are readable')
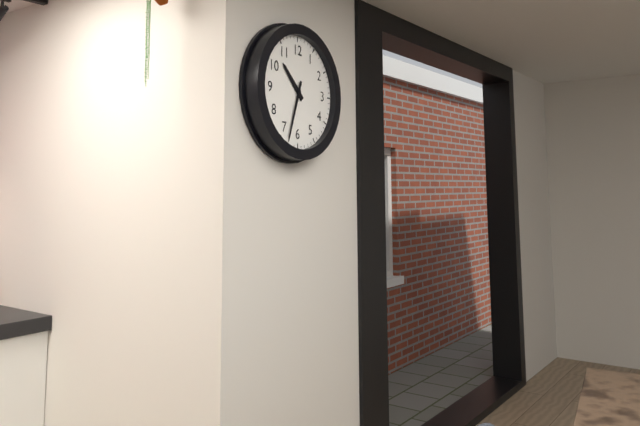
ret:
10,33
